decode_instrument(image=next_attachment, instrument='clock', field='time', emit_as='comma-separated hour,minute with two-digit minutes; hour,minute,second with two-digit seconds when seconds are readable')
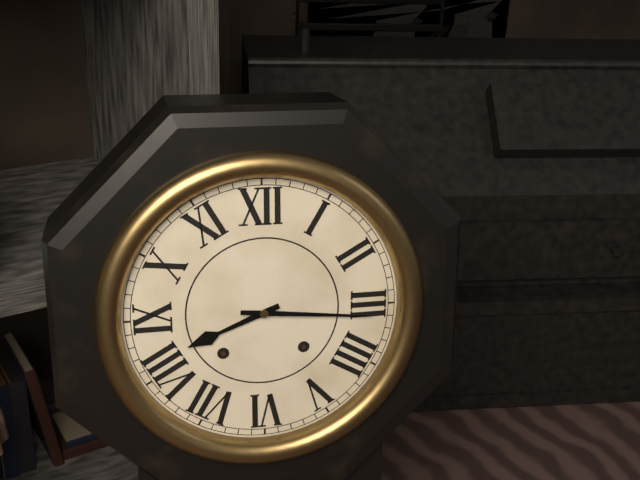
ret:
8,16
